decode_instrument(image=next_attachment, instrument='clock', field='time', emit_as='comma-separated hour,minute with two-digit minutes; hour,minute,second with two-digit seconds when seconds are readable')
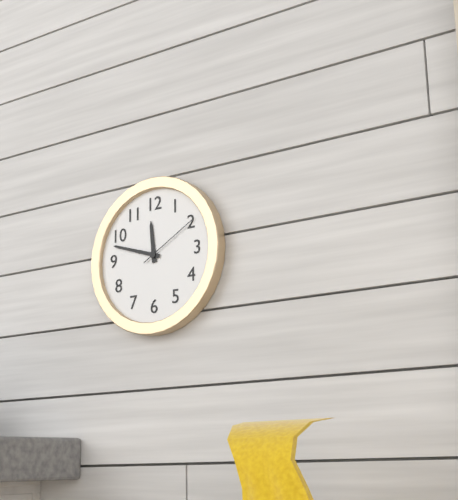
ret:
11,48,10
